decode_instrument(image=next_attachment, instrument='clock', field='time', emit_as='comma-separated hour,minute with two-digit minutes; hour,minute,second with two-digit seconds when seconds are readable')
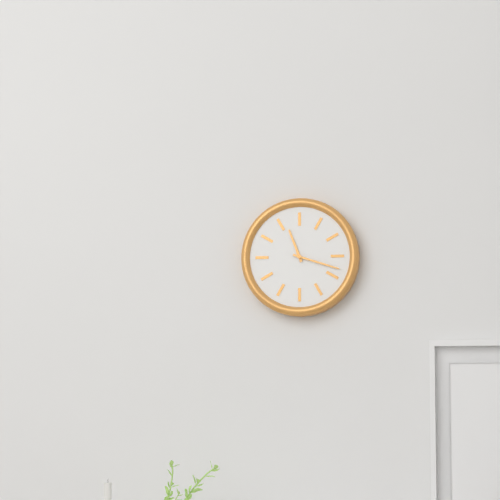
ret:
11,18
